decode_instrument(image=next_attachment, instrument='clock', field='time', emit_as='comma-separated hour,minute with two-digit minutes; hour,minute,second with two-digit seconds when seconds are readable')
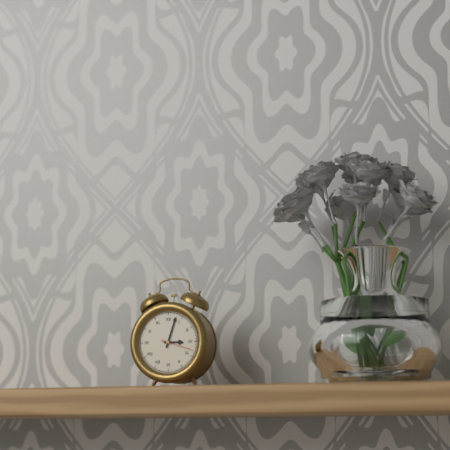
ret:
3,03
